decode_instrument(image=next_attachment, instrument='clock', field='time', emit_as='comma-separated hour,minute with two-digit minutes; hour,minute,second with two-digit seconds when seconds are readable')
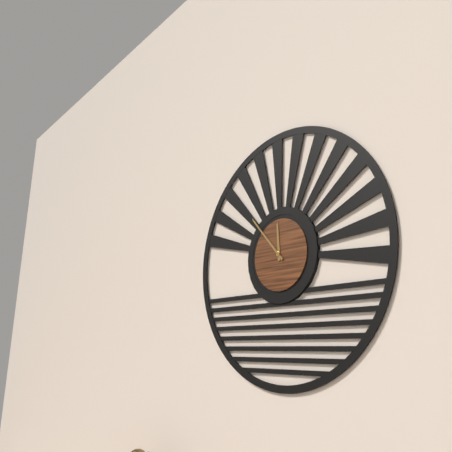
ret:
11,53
